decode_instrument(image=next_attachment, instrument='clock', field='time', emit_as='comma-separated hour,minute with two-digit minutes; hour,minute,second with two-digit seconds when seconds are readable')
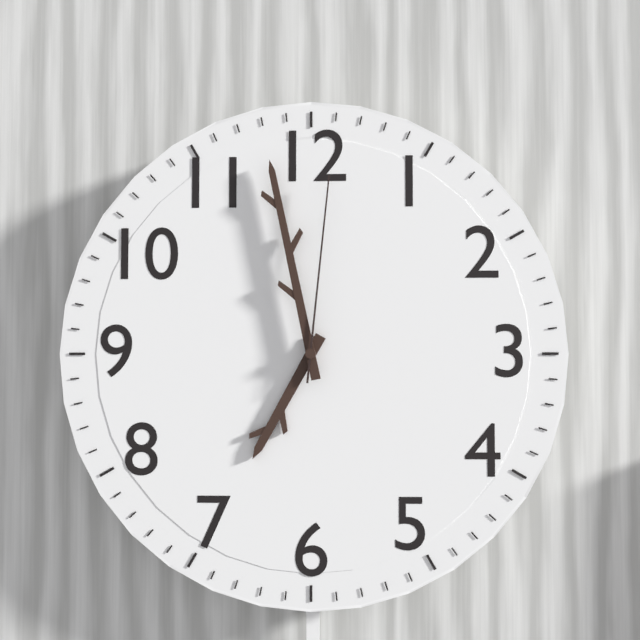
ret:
6,58,01
